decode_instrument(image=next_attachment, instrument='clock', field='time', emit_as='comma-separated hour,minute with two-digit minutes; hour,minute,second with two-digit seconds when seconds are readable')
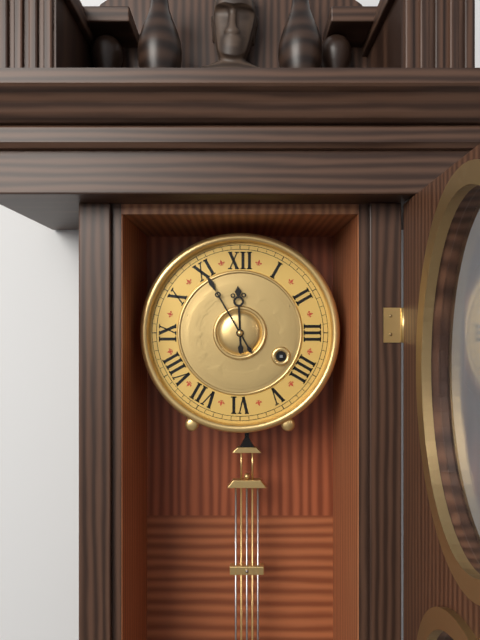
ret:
11,55
